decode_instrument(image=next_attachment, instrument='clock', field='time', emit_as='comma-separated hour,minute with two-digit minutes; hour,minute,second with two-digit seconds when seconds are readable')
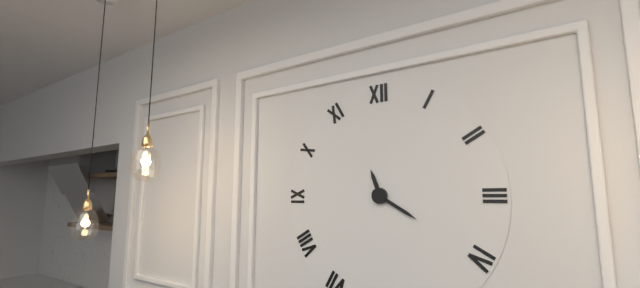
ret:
11,20
